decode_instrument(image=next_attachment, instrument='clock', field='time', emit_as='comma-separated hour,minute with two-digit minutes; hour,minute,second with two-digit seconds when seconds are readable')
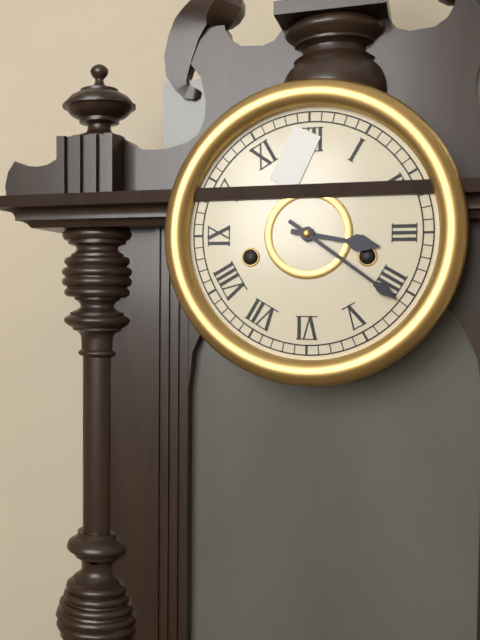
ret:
3,21
